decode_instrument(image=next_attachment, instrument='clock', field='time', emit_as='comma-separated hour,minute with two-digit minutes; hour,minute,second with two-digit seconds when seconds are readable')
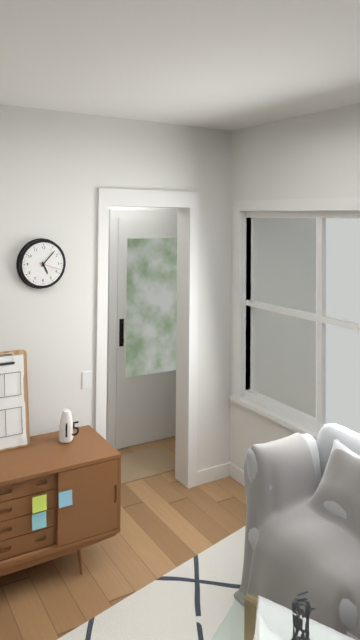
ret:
5,07
